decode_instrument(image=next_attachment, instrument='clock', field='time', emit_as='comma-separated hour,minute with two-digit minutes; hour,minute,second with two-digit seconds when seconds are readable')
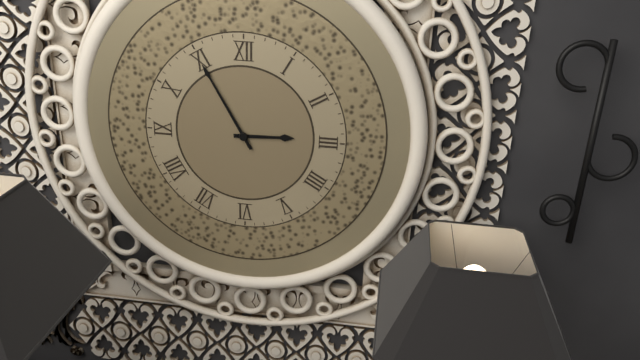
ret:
2,55
